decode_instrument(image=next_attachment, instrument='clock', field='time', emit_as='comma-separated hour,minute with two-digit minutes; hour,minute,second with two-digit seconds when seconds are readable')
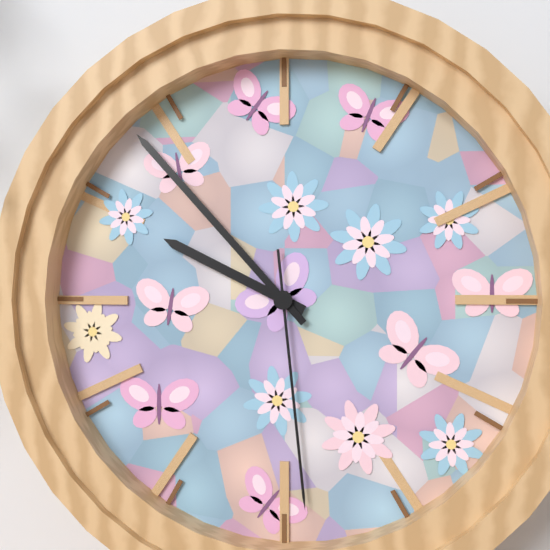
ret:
9,53,29
